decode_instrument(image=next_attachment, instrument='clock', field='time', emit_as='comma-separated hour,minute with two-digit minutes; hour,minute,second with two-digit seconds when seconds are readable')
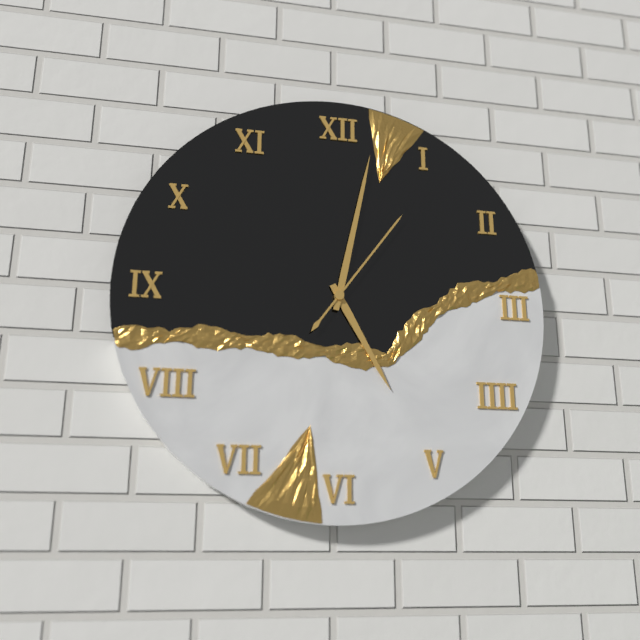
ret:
5,02,06
